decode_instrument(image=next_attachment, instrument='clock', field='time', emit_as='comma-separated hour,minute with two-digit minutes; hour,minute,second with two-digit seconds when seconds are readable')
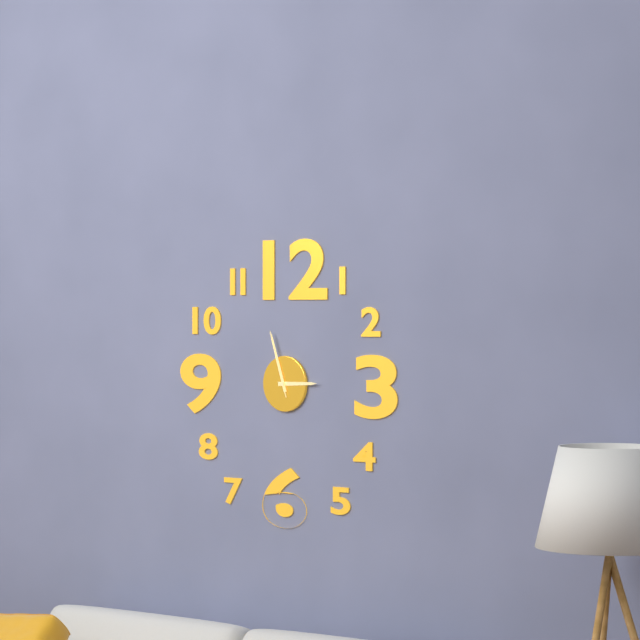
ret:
2,57,57
